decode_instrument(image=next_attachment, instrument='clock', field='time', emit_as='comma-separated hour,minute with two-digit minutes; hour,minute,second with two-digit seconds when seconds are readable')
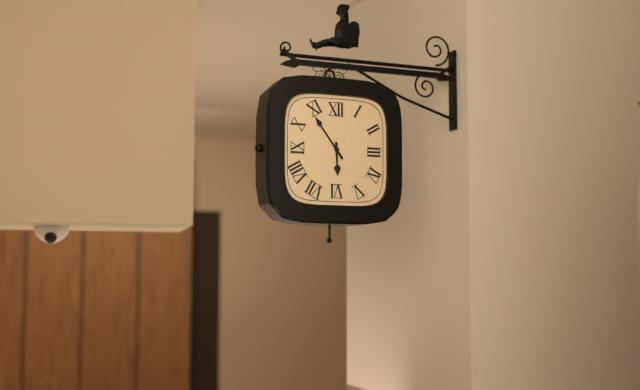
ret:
5,54
